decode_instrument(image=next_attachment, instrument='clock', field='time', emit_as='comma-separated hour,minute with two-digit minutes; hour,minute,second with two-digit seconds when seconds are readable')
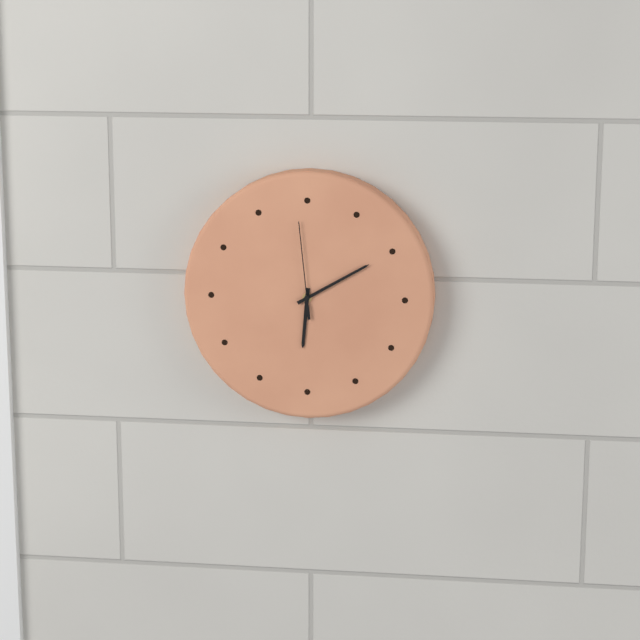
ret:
6,10,59
